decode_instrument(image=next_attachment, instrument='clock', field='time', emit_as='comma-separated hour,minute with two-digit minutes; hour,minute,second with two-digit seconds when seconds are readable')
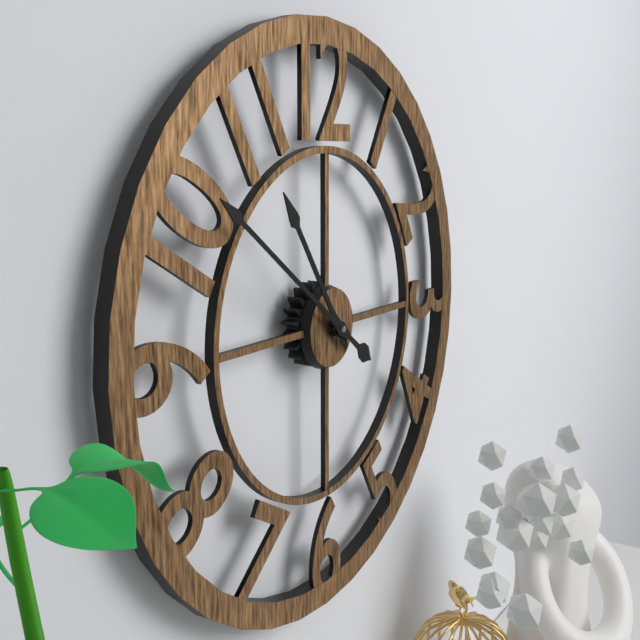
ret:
10,51
